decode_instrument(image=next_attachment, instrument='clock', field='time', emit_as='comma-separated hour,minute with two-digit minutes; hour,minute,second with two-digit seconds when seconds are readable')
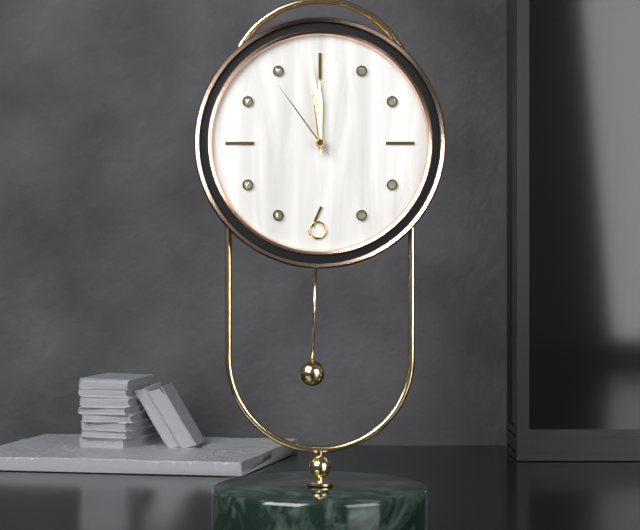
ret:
11,59,54
